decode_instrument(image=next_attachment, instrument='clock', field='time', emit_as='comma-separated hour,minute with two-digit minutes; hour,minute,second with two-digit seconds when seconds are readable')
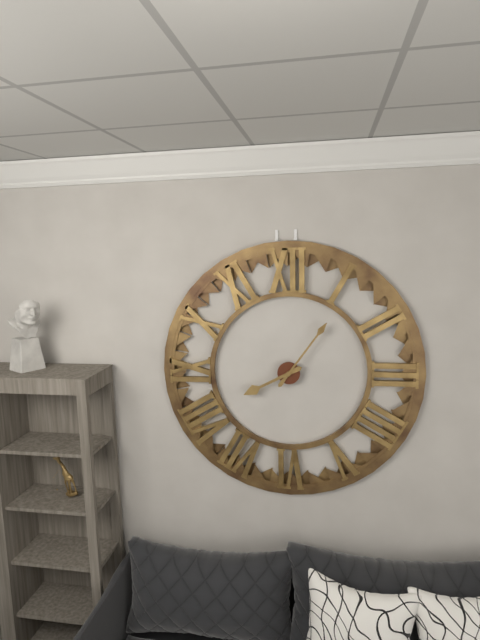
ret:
8,06
